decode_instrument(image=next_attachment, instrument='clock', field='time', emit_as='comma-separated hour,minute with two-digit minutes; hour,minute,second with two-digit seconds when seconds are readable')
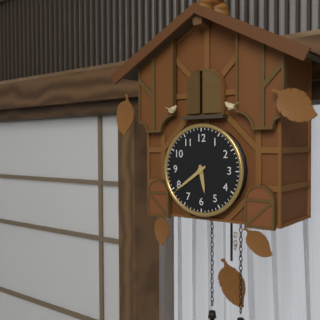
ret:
5,39
